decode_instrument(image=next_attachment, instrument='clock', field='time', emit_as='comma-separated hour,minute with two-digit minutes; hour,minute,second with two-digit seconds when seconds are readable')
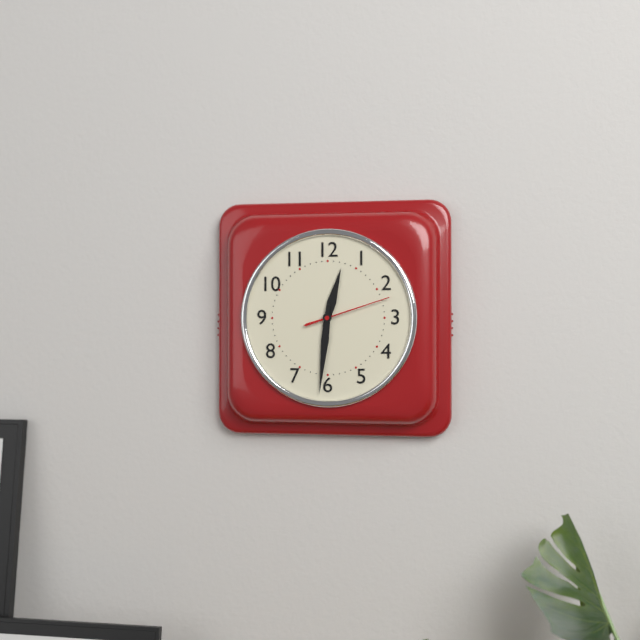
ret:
12,31,12
